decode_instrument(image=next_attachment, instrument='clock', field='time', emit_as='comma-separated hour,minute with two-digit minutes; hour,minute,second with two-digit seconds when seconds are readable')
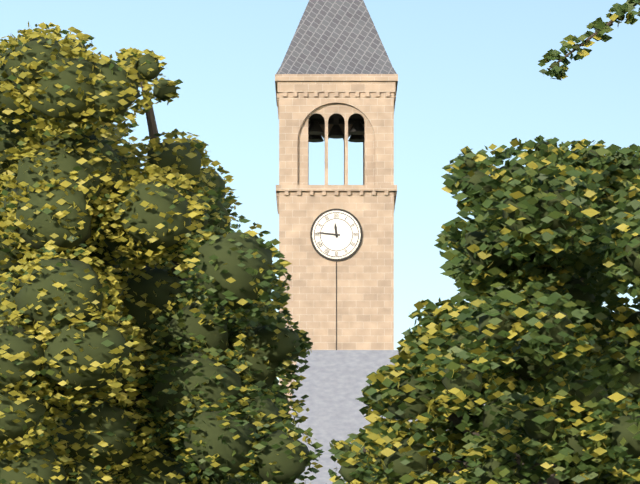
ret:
11,46
